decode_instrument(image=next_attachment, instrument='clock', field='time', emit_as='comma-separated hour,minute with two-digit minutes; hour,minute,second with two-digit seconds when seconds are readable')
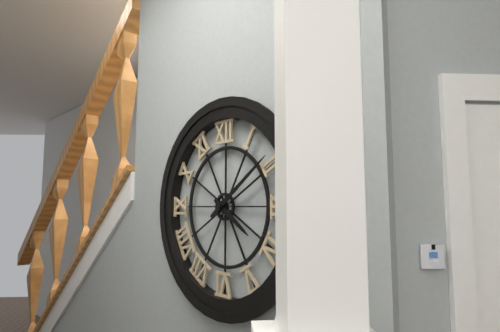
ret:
4,09
